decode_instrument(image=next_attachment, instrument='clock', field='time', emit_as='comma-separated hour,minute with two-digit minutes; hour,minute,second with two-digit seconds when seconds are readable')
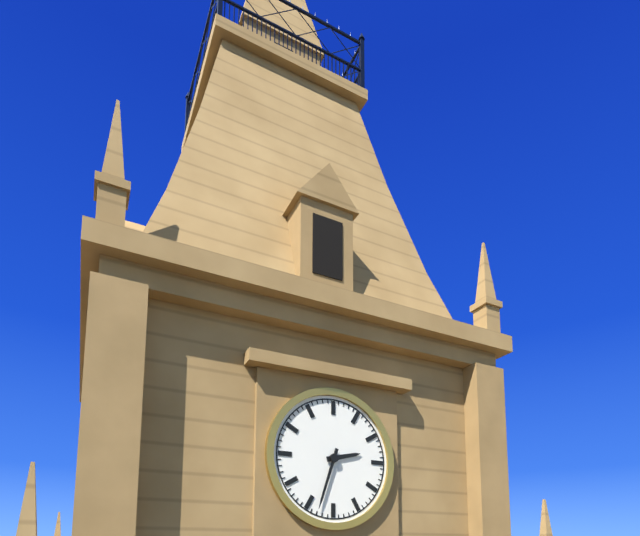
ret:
2,33
